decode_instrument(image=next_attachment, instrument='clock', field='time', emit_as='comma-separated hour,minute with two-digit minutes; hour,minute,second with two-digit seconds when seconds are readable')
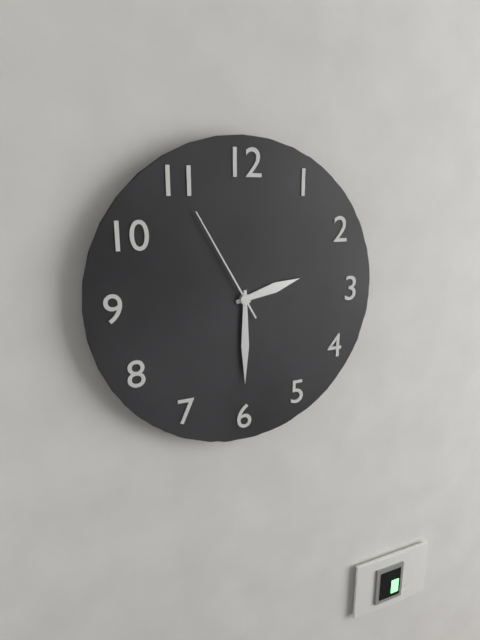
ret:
2,30,55
